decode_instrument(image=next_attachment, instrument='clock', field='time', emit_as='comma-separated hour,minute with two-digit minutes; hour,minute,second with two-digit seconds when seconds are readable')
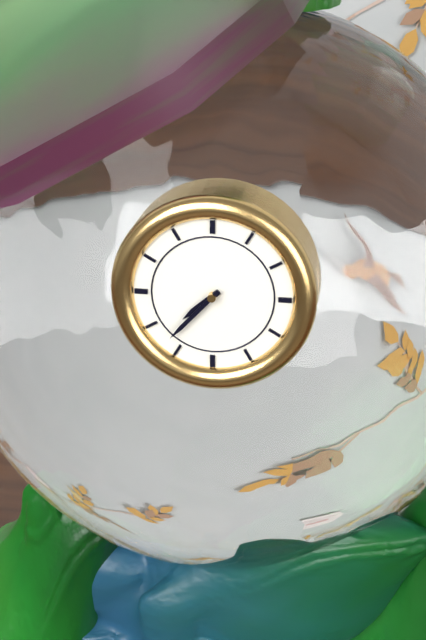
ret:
7,37
